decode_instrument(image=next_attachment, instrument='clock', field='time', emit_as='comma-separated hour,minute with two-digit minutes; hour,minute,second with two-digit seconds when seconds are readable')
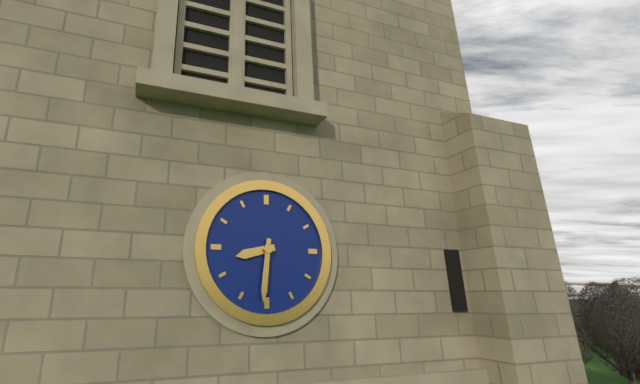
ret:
8,31
